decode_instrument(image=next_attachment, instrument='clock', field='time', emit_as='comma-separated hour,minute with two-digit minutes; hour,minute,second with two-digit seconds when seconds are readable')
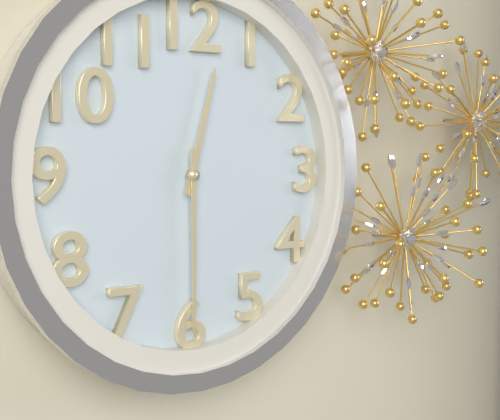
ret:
12,30
